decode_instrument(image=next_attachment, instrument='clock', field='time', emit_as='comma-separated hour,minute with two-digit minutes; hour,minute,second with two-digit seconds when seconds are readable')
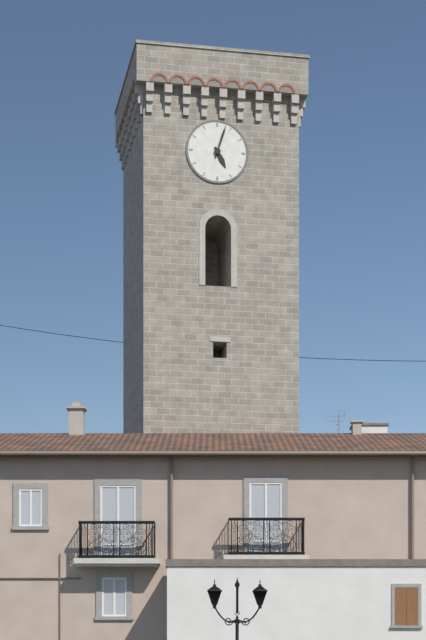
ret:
5,03
